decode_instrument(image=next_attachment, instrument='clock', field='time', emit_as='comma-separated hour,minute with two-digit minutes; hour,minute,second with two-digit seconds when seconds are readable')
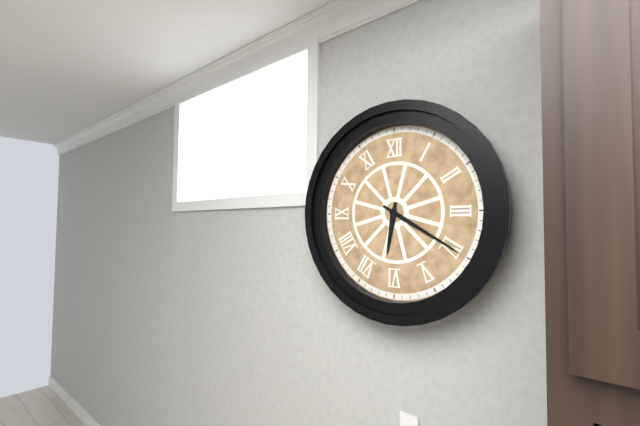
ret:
6,20
